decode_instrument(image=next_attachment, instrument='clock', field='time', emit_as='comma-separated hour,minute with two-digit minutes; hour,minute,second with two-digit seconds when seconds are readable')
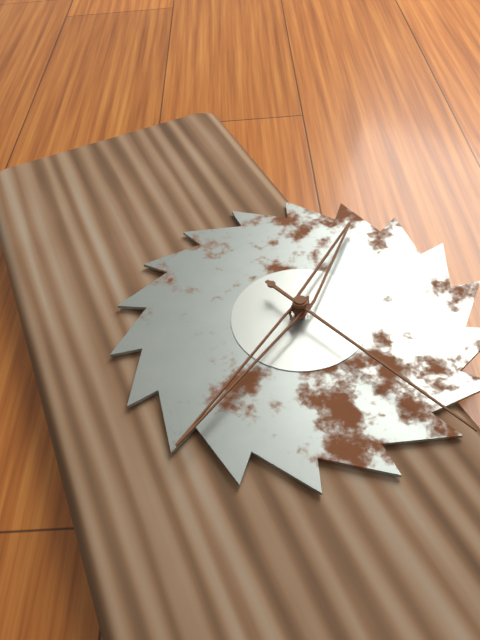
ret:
1,40,27
